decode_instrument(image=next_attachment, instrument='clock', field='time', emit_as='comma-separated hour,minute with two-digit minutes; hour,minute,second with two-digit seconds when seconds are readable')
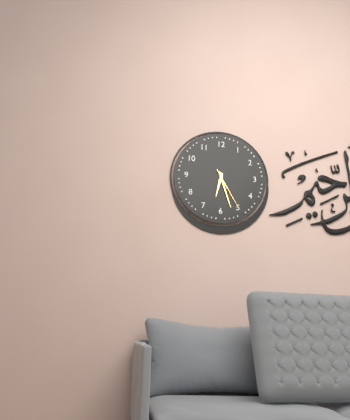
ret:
6,27
